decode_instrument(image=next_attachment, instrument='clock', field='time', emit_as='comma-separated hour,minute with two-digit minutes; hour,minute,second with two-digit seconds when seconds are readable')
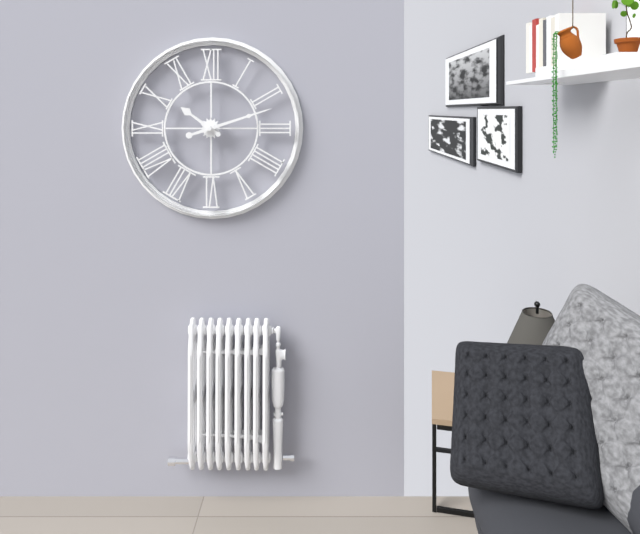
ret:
10,12
